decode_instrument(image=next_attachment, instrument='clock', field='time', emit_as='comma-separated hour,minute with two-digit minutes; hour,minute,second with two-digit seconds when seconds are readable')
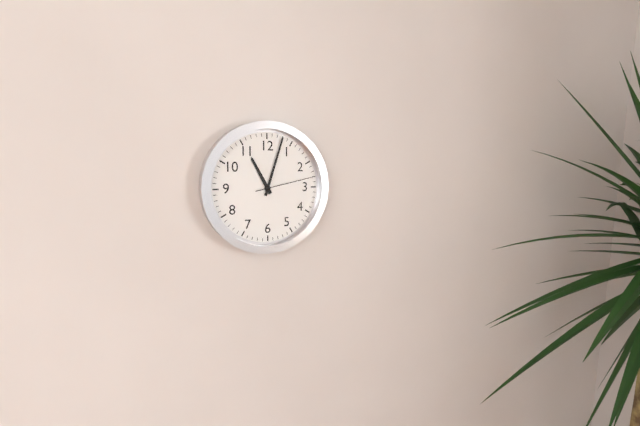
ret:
11,03,13
